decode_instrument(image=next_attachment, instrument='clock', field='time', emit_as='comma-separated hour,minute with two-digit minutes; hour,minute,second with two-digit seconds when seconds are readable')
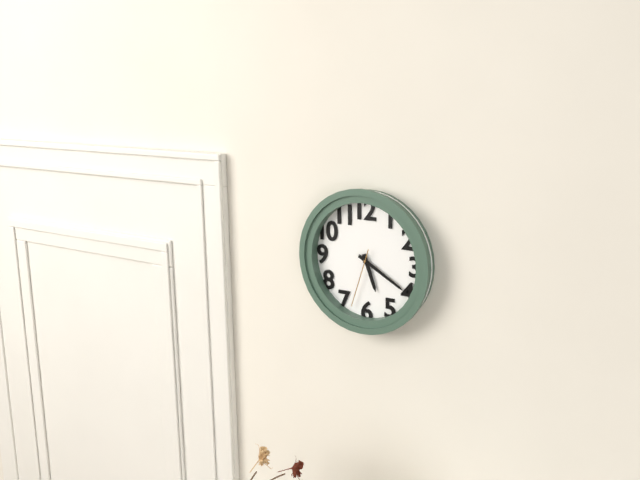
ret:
5,20,33
